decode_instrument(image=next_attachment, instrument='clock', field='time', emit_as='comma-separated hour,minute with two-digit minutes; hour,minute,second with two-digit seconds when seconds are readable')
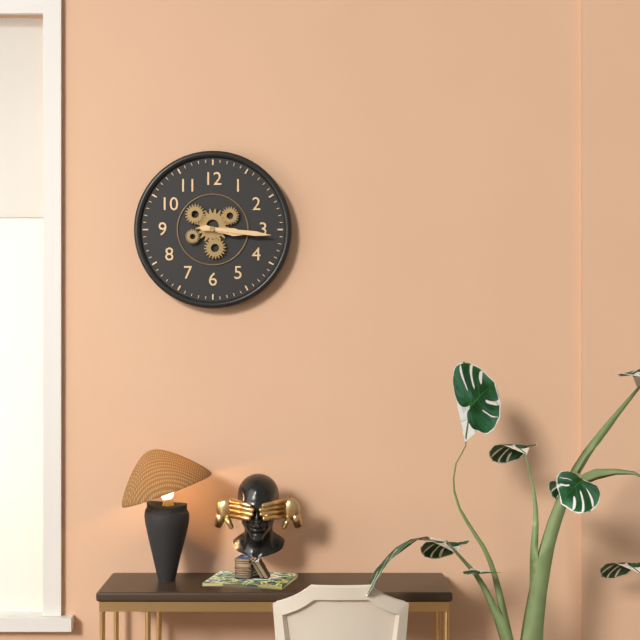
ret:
3,16
